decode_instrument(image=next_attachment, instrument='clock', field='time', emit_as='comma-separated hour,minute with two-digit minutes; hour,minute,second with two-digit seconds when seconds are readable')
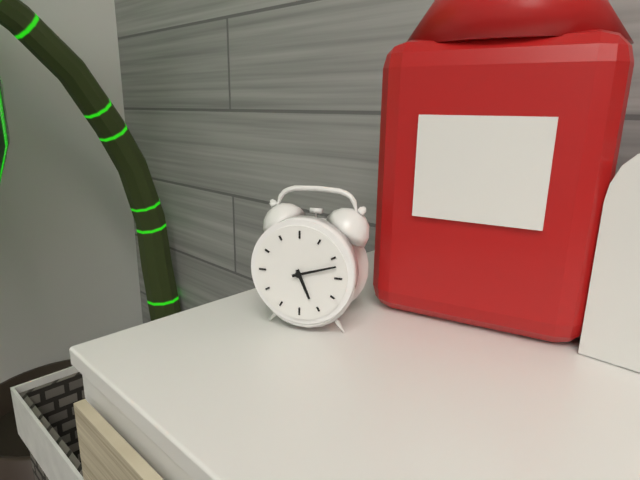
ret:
5,12
